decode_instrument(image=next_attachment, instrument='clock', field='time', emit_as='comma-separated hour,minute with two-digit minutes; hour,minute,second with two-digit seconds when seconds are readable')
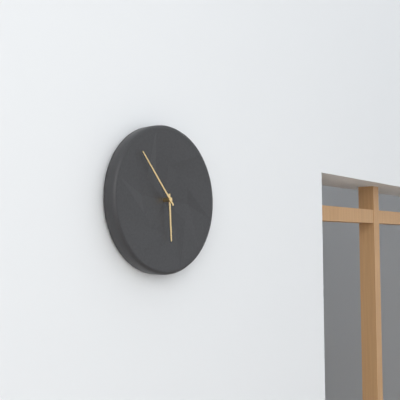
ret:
5,53
